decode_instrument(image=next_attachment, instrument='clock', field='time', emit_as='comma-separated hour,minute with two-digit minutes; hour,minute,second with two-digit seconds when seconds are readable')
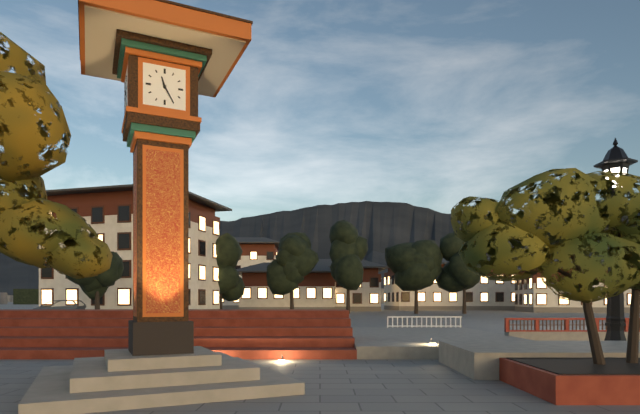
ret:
11,25
